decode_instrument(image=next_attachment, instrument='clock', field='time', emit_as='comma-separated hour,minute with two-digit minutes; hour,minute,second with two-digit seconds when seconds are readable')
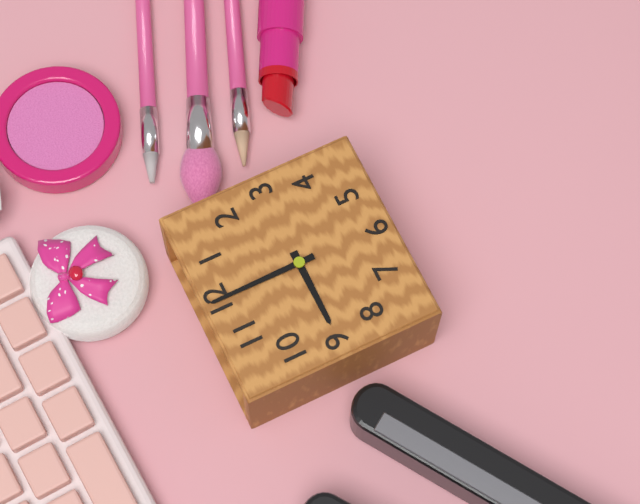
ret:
9,00
